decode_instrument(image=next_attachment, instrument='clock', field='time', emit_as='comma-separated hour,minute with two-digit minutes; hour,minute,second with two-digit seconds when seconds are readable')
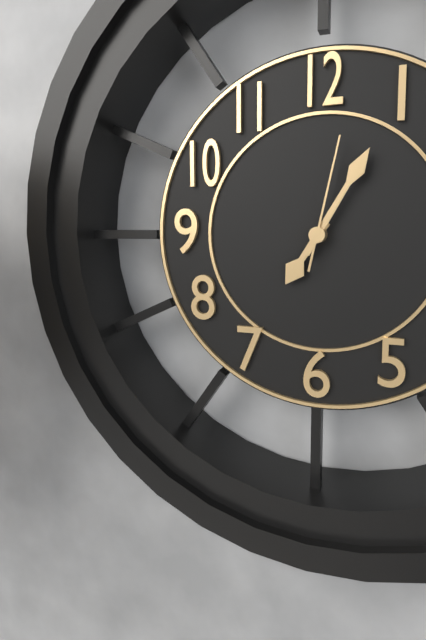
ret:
7,05,02
